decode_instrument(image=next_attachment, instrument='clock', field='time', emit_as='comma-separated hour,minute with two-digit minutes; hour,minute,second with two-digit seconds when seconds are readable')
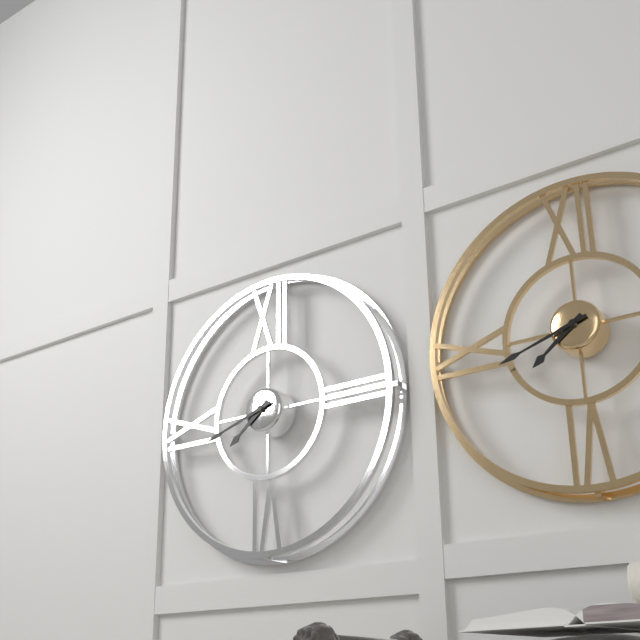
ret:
7,42
